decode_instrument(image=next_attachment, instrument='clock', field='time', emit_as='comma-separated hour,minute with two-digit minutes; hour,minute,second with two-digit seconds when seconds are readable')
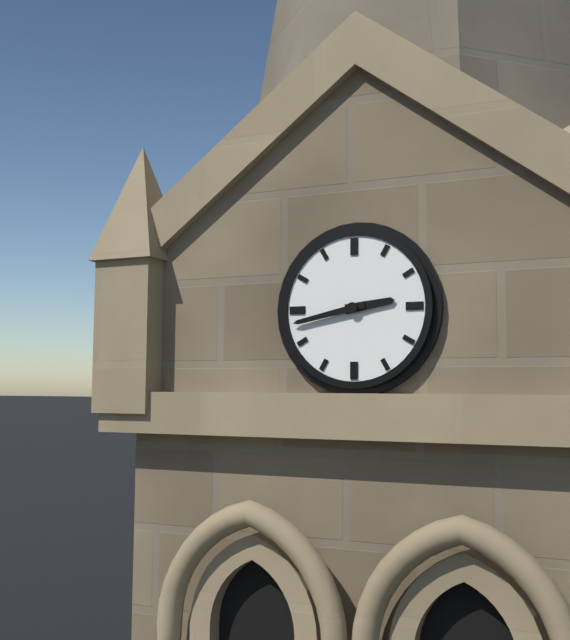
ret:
2,43
